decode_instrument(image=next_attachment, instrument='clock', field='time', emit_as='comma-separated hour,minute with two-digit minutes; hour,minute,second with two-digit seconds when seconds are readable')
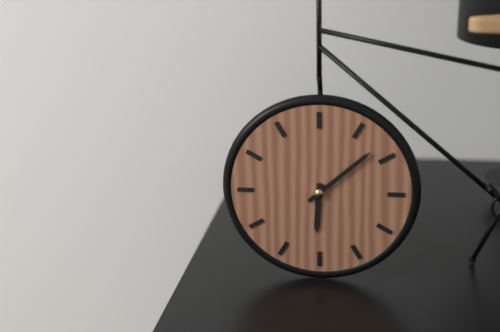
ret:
6,08
